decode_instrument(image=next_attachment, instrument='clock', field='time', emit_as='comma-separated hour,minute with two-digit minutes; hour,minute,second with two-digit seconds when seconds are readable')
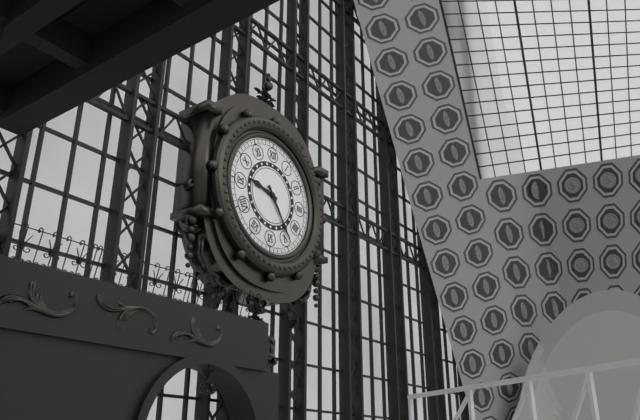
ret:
9,24
